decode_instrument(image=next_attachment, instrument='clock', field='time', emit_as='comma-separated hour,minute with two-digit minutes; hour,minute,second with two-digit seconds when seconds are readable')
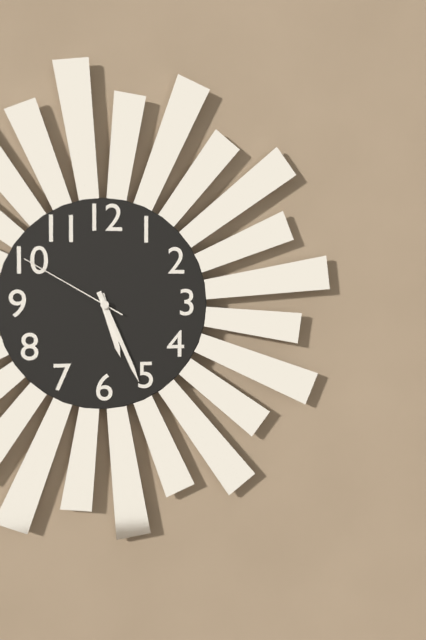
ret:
5,26,50
